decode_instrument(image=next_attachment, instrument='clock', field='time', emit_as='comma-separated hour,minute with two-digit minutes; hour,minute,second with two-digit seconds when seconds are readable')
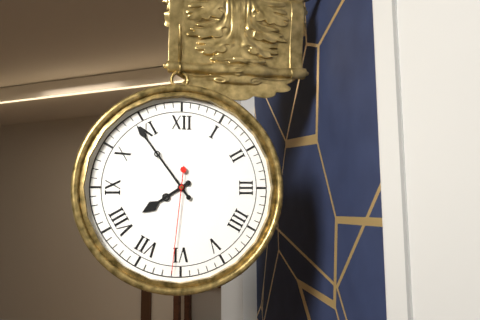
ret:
7,54,31
